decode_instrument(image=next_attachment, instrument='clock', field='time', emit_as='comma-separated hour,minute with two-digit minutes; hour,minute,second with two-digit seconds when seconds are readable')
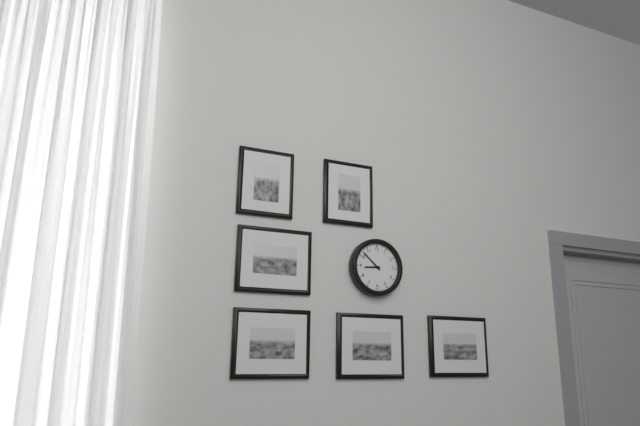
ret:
8,52
